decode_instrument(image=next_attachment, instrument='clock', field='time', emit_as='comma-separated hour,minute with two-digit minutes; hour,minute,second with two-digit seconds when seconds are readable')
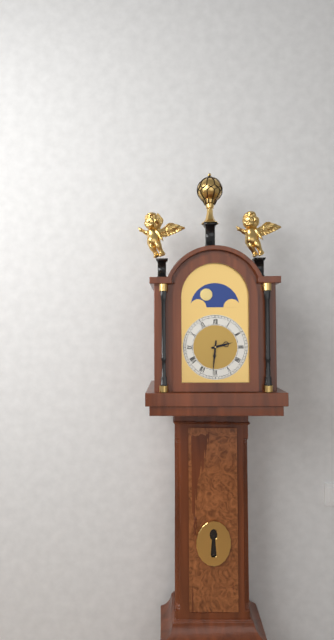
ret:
2,31
